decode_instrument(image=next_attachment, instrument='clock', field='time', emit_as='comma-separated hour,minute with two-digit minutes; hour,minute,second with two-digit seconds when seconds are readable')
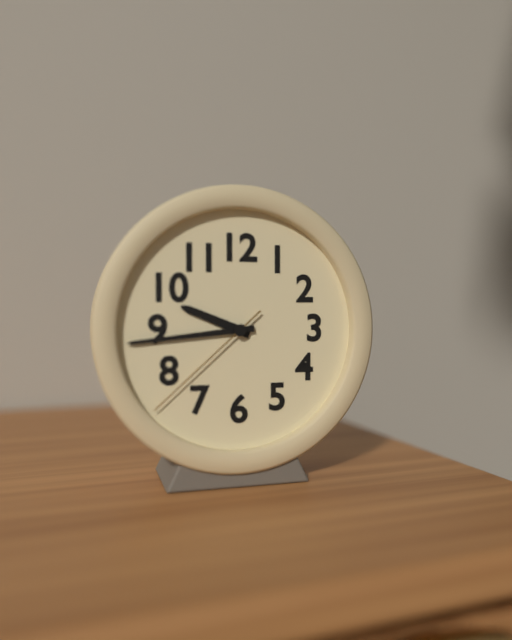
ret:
9,44,38
